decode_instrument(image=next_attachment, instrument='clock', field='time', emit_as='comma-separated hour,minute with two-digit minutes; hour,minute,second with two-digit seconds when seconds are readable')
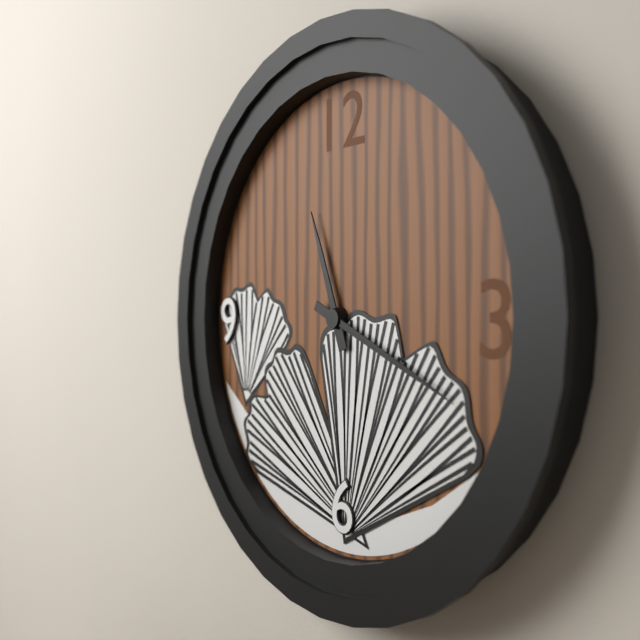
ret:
11,19
